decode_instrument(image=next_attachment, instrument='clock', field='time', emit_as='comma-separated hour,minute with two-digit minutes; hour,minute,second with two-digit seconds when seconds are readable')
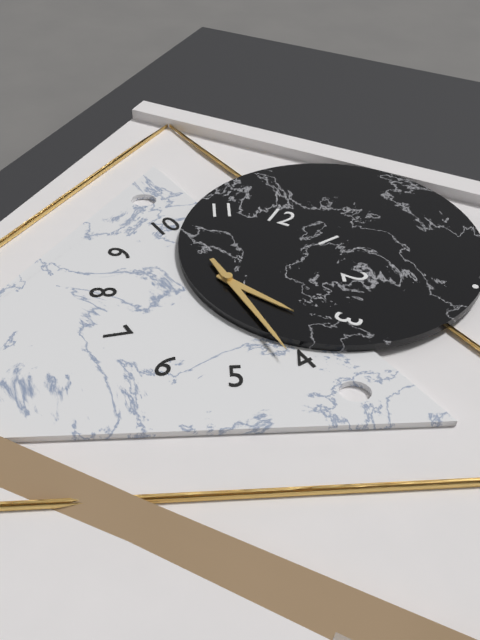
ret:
3,21
